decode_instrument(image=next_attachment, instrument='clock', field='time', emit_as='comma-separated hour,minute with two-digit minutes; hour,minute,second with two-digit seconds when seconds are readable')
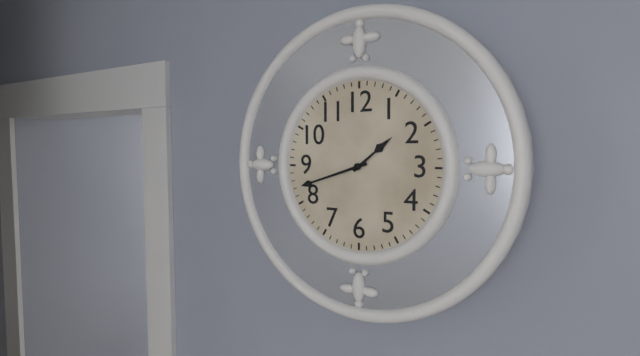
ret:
1,42
